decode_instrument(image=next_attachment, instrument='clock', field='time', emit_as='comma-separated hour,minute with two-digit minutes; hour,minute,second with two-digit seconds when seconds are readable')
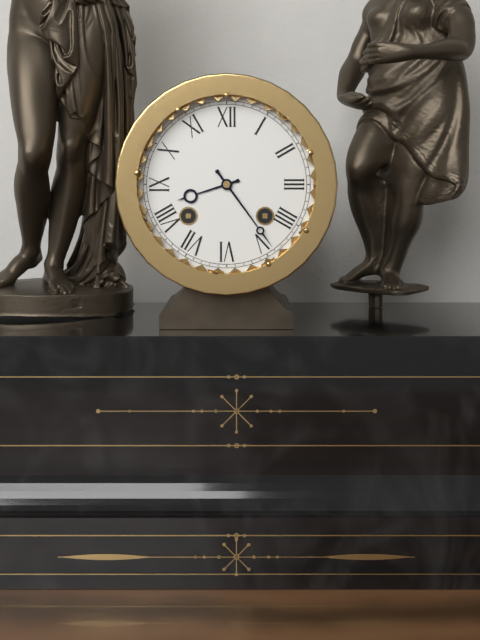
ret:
8,24
